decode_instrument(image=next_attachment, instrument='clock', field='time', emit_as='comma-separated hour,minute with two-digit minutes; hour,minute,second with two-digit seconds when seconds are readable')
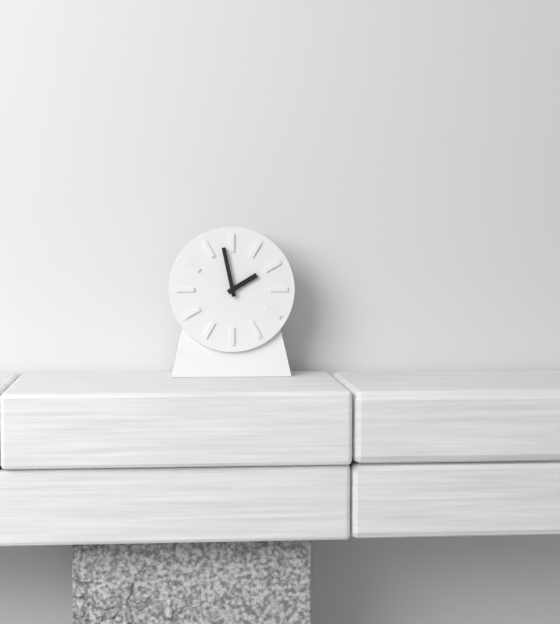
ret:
1,58
